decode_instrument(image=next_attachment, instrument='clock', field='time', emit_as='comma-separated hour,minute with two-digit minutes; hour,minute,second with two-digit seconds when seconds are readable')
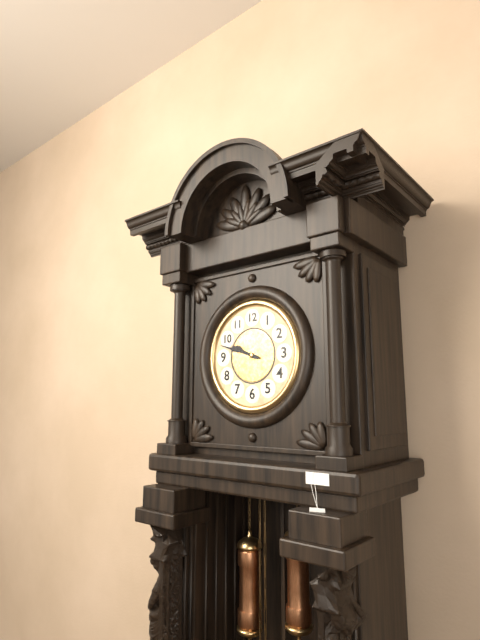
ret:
9,48
